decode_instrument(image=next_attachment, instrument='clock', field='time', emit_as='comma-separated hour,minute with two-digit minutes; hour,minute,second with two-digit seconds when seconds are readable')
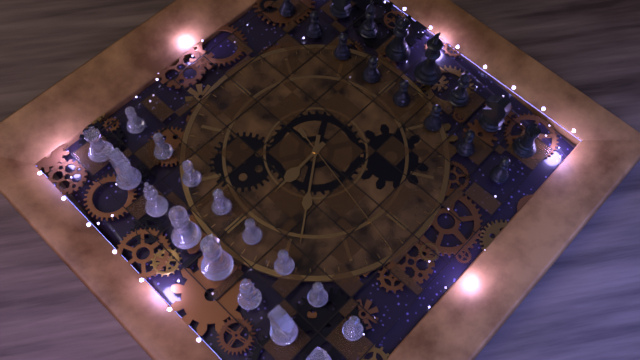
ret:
11,54,47
